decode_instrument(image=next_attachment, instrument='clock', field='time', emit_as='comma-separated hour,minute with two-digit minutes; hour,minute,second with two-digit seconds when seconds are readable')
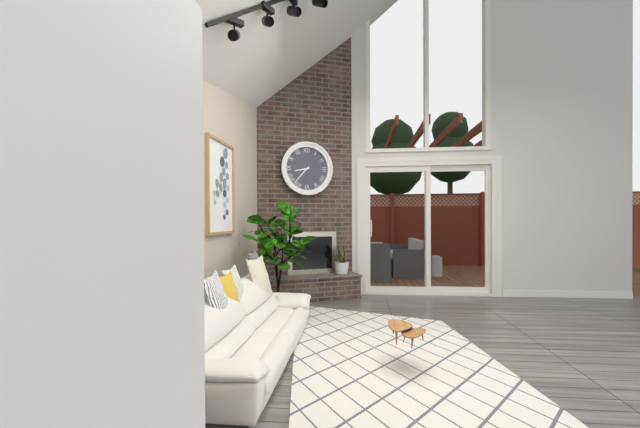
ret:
8,37
